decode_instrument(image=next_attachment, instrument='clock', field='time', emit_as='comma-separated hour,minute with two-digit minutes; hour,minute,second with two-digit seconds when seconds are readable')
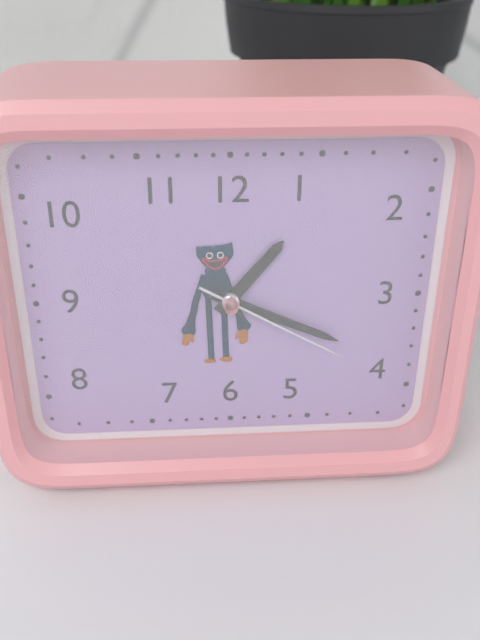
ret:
1,19,20
